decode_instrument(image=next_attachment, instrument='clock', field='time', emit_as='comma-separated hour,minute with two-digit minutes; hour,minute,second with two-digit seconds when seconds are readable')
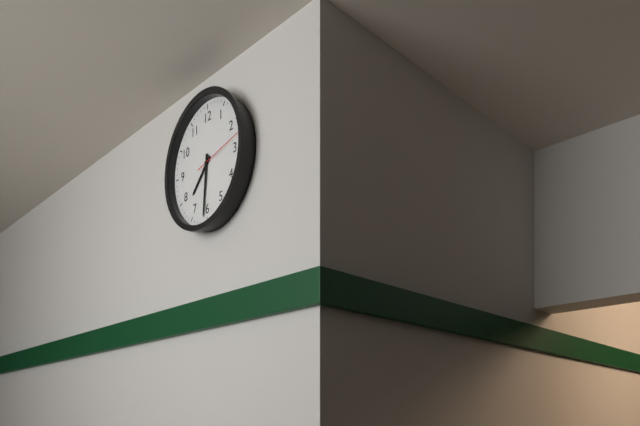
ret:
7,31,13
